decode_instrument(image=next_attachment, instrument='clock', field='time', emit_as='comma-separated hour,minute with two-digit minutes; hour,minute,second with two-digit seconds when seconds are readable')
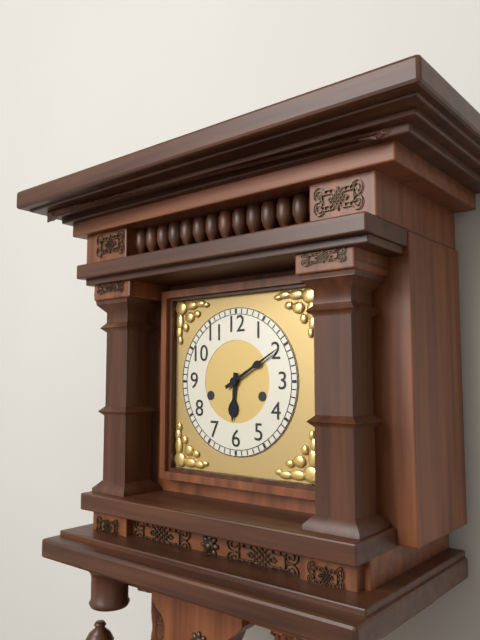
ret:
6,10
